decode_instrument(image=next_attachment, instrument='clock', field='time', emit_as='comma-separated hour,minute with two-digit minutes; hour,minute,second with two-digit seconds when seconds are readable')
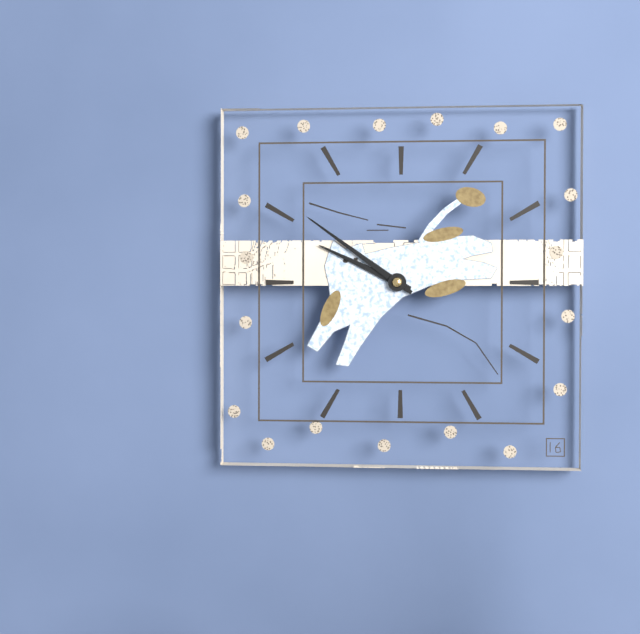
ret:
9,51
